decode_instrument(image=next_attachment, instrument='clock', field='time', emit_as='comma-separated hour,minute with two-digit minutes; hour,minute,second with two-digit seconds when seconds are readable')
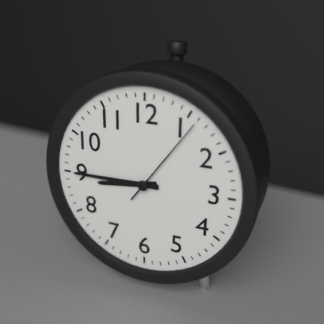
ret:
8,45,06
